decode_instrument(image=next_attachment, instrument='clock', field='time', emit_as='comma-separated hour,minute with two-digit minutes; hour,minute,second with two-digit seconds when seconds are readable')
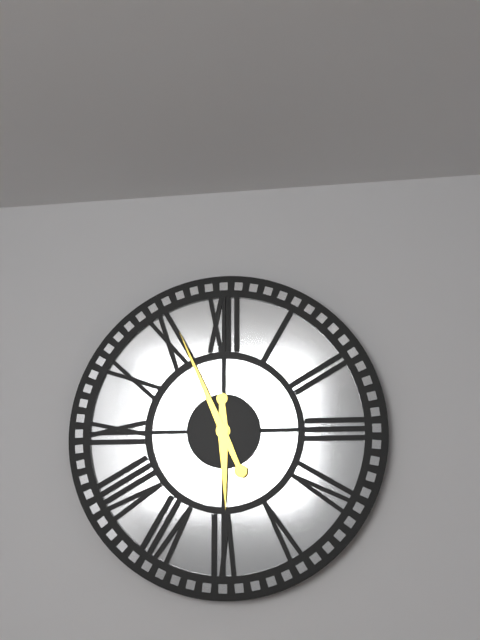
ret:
5,56
